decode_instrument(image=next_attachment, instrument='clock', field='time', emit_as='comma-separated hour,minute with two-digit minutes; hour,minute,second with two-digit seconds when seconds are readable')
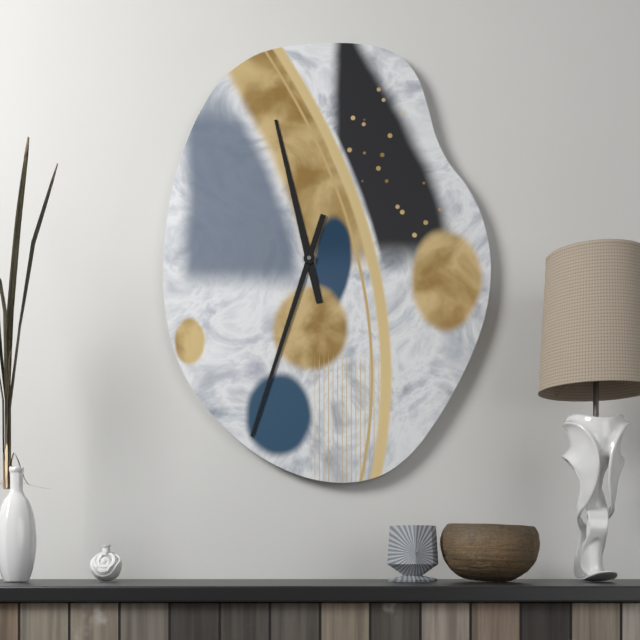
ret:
11,33
